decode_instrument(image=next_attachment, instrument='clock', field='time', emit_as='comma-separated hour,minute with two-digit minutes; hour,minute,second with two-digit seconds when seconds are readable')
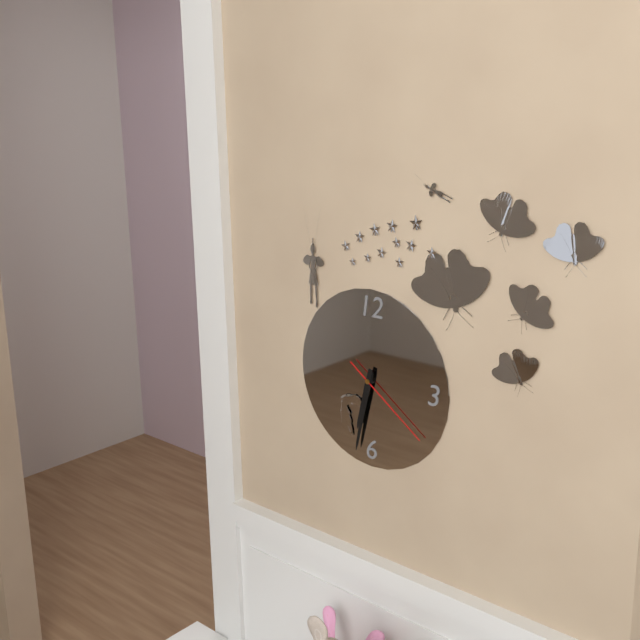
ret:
6,32,21
